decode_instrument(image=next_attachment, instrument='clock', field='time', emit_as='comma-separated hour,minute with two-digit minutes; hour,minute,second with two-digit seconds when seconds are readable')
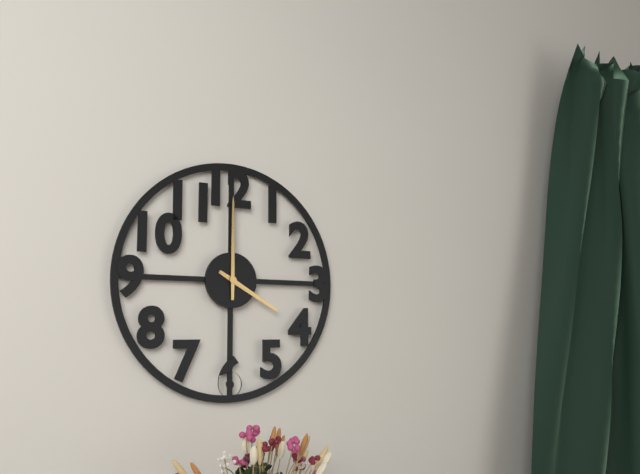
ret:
4,00
